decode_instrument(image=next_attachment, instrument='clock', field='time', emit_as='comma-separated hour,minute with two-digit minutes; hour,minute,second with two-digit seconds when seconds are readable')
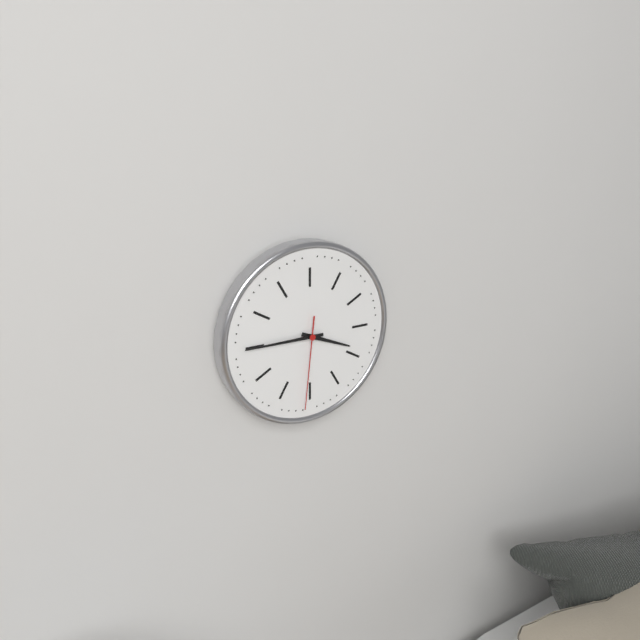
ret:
3,45,31
